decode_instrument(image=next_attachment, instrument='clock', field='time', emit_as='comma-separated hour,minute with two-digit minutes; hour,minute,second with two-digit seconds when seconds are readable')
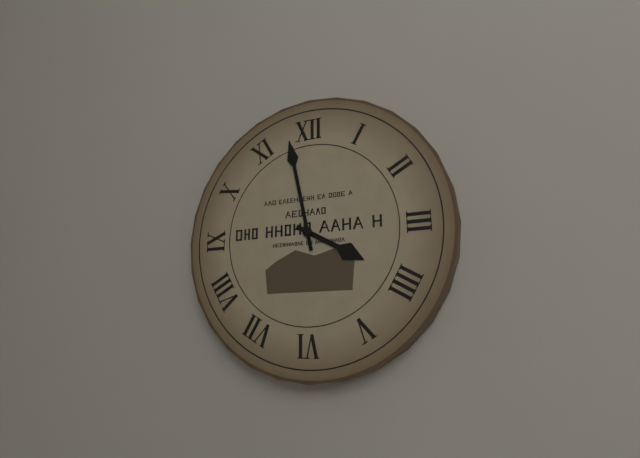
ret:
3,58
